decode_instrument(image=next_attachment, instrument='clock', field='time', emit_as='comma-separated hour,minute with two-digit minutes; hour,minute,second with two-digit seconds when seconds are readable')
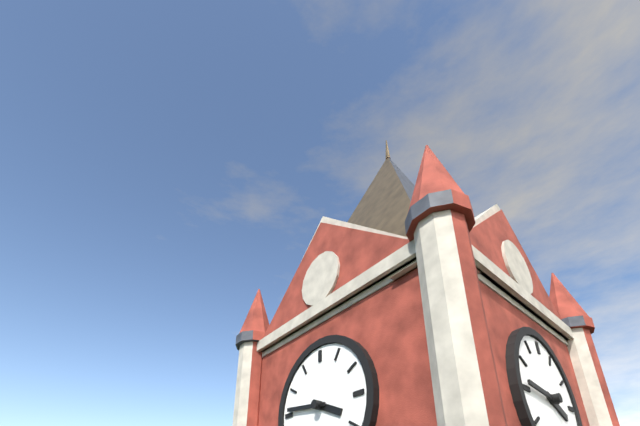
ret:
3,46
